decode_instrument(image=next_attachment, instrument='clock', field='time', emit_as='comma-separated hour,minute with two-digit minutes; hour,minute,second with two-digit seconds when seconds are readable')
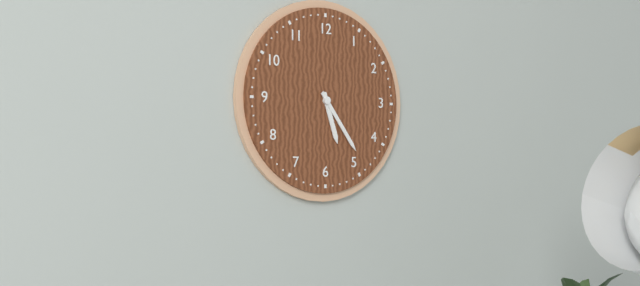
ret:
5,24
